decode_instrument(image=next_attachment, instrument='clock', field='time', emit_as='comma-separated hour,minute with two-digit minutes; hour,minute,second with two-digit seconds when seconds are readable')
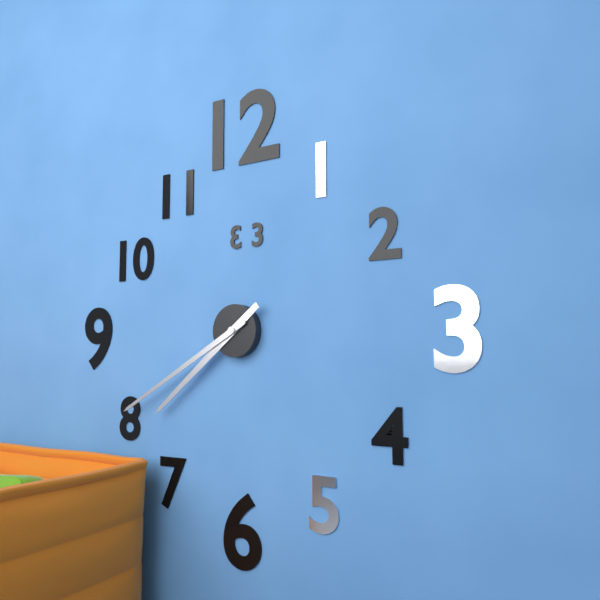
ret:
7,40
